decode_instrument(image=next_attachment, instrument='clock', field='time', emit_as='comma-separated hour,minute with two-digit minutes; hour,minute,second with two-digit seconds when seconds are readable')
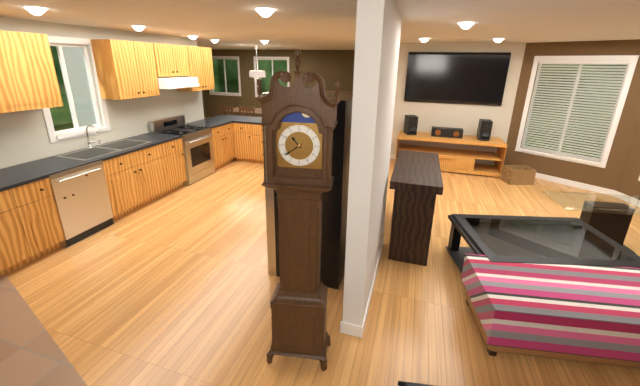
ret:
10,39
